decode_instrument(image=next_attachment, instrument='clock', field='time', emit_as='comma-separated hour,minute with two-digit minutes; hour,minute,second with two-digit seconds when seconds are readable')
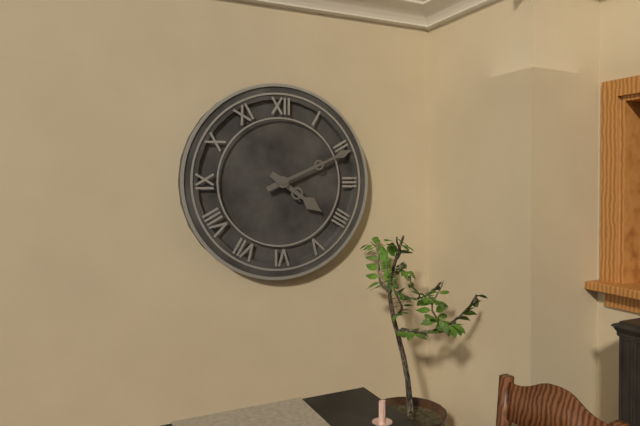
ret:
4,11
